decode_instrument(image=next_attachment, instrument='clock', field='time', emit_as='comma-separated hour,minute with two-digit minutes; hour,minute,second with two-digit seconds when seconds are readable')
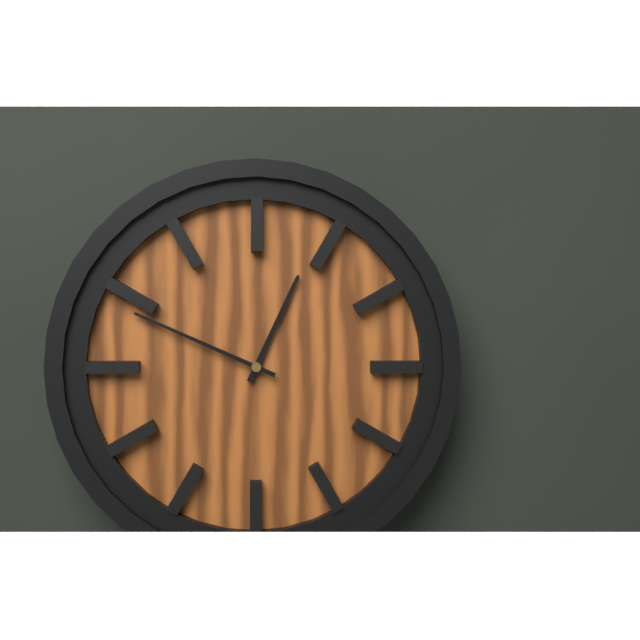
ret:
12,49
